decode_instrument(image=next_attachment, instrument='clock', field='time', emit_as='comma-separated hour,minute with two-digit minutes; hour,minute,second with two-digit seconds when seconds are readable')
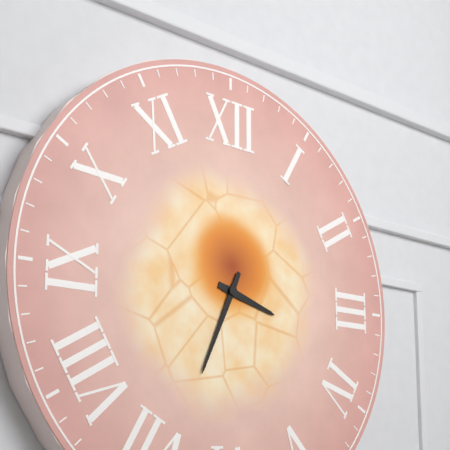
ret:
3,34
